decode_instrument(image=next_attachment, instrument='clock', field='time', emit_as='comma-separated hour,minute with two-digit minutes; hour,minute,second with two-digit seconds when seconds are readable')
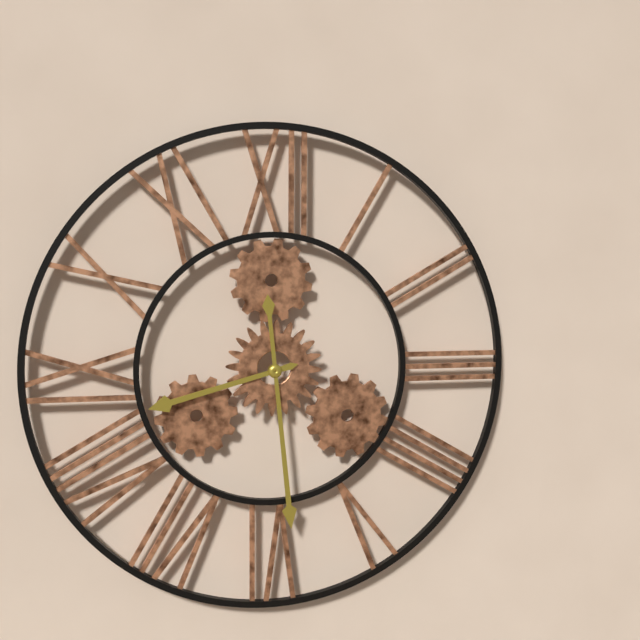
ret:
8,29
